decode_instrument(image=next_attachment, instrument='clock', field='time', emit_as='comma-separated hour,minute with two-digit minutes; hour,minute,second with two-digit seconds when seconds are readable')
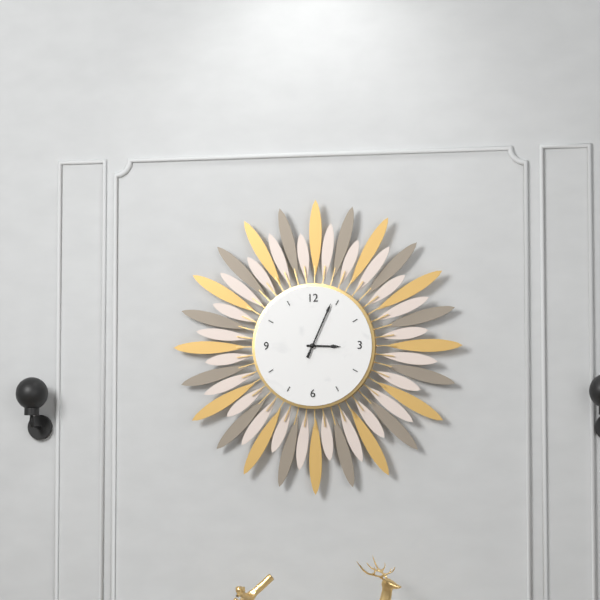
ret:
3,04
